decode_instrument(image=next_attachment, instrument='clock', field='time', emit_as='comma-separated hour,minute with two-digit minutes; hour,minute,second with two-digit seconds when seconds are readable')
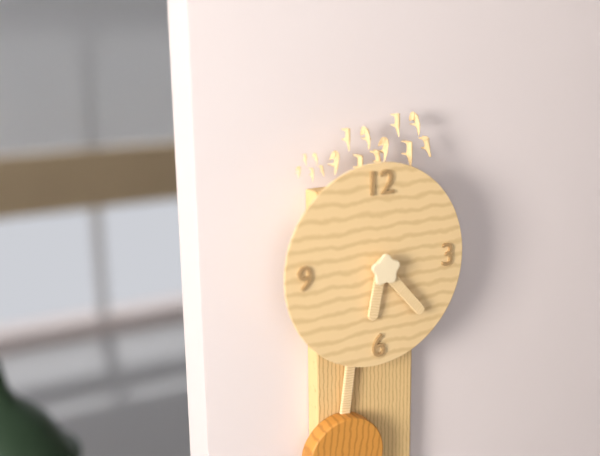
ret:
6,23
